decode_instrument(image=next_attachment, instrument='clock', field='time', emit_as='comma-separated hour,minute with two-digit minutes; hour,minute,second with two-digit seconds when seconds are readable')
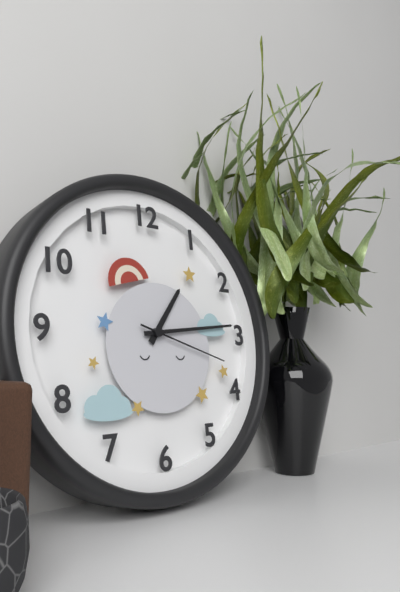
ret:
1,14,18
